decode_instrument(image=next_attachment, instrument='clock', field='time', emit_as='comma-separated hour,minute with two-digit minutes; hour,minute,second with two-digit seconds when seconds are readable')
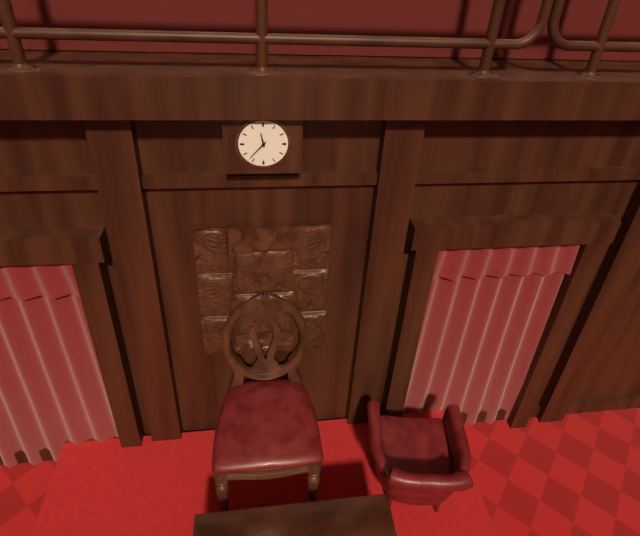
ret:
11,37
